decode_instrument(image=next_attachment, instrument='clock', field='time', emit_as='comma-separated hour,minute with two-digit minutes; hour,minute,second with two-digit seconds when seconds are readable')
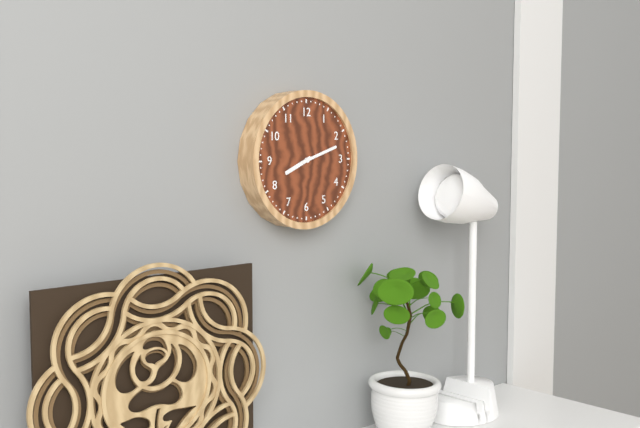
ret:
8,12
